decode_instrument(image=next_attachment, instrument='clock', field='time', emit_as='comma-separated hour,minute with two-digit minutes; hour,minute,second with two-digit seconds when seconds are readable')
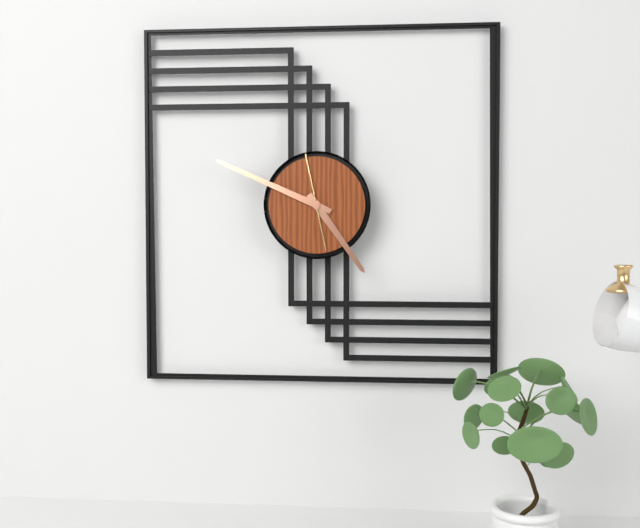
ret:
4,49,58
